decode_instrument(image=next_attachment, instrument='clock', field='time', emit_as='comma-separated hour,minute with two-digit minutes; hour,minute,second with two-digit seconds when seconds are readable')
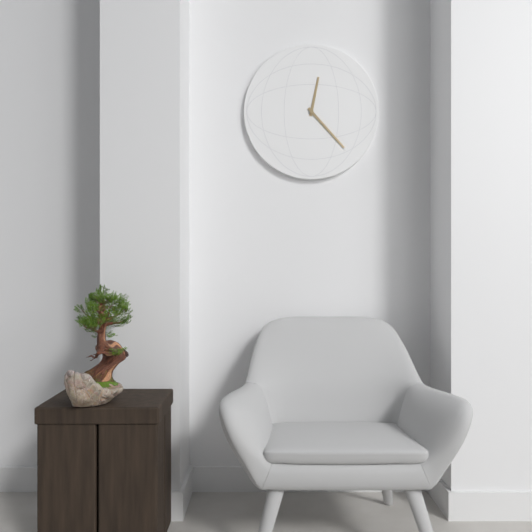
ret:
12,23
